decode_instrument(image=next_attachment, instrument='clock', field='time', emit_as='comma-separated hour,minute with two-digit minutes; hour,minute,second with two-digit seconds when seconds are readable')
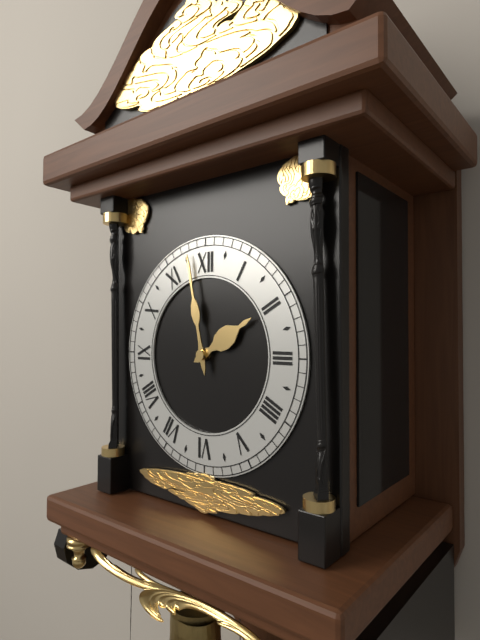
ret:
1,58
